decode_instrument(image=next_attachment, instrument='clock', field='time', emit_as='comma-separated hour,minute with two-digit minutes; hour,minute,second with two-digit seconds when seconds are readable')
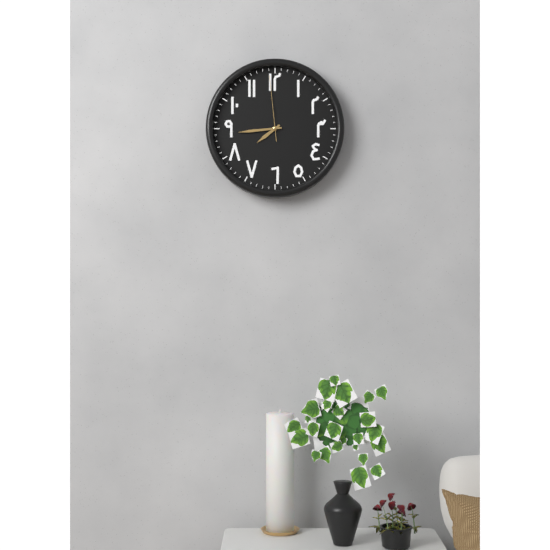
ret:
7,44,59
